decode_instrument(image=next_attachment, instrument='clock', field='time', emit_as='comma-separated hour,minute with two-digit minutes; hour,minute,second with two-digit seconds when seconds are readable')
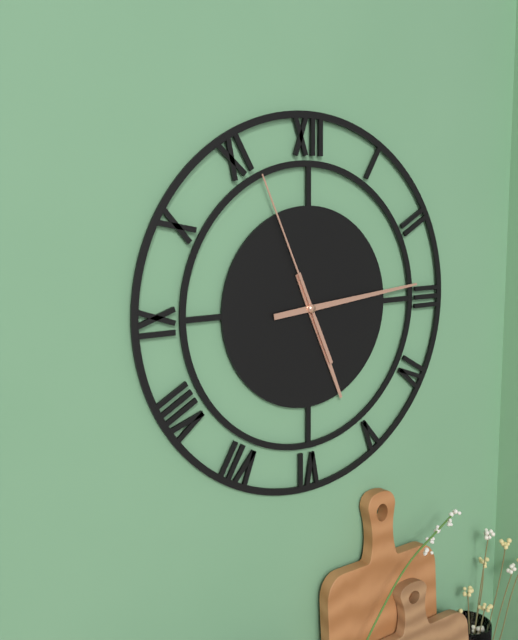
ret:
5,14,56
